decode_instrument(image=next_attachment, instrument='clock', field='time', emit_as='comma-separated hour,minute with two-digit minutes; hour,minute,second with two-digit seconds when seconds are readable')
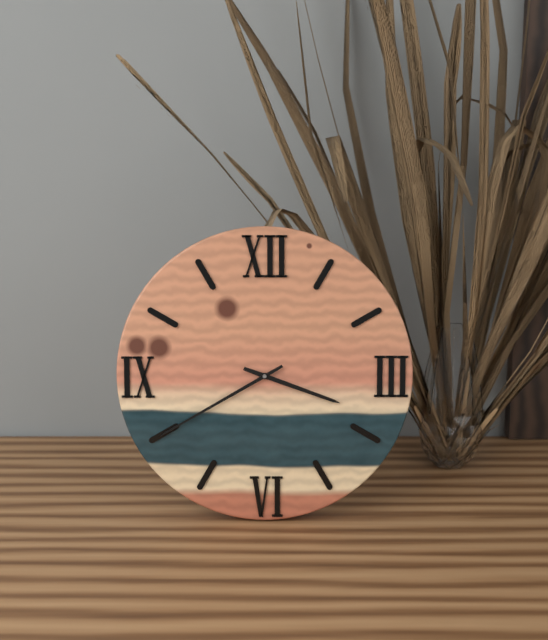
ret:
3,40
